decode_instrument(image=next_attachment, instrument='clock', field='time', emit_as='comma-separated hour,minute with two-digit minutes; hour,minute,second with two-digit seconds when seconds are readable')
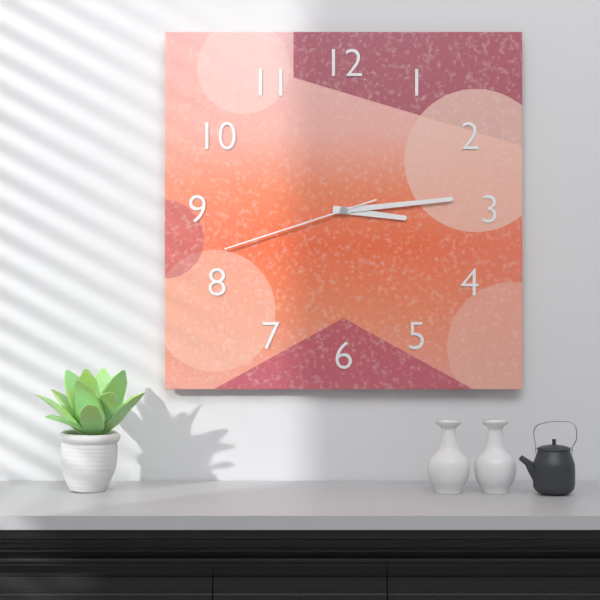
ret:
3,14,42
